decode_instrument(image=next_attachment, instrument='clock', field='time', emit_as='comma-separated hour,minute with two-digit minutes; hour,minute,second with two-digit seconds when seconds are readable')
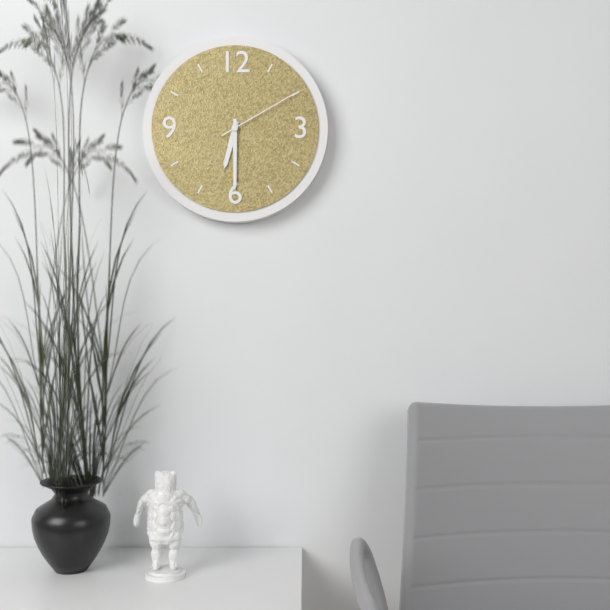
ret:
6,30,10
